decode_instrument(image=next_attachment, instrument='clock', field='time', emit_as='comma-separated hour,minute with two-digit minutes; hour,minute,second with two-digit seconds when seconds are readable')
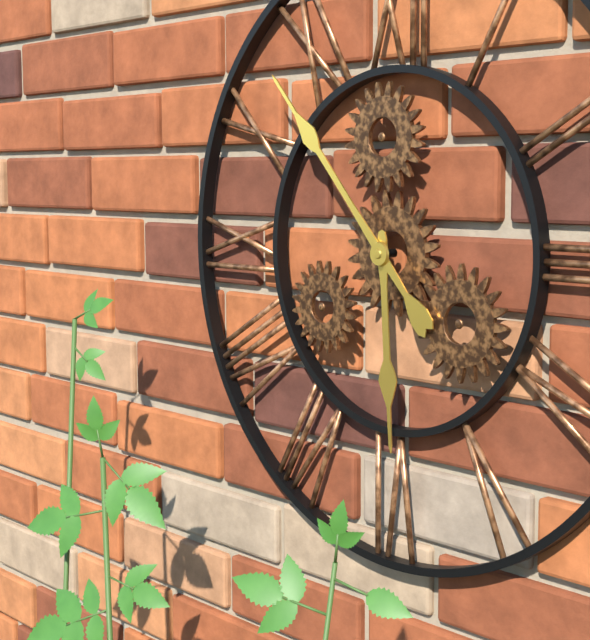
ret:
5,53
